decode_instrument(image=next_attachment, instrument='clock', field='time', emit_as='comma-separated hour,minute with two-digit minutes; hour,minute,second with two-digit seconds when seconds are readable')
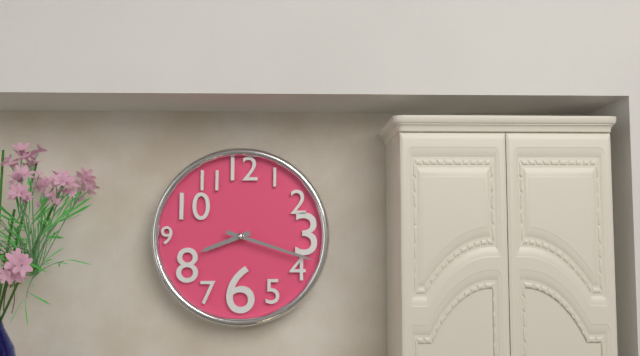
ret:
8,18
